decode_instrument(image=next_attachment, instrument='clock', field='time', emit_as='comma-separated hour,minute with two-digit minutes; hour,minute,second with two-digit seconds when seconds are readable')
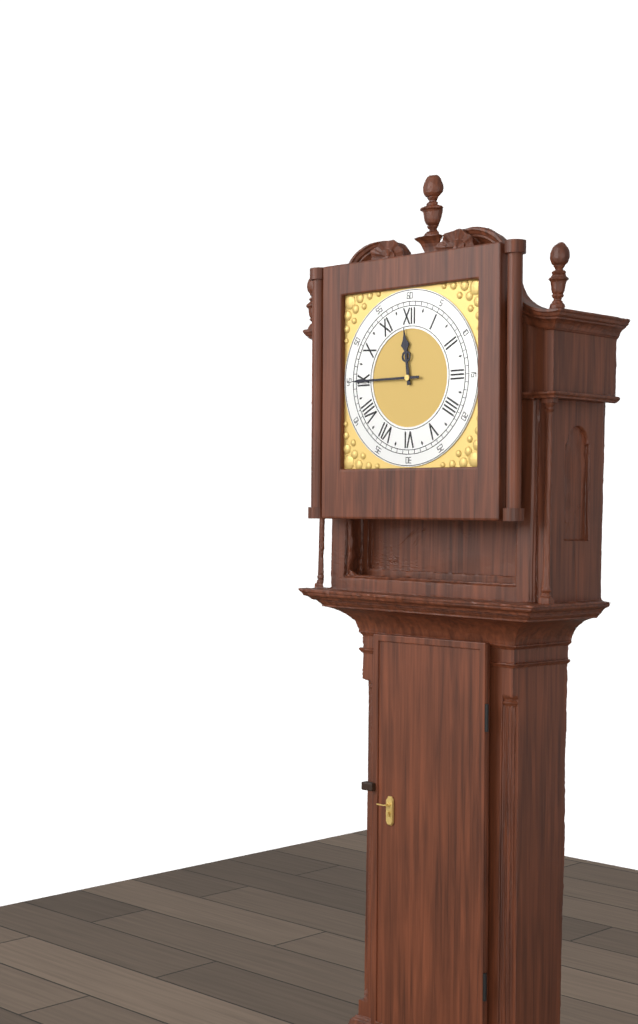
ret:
11,45
